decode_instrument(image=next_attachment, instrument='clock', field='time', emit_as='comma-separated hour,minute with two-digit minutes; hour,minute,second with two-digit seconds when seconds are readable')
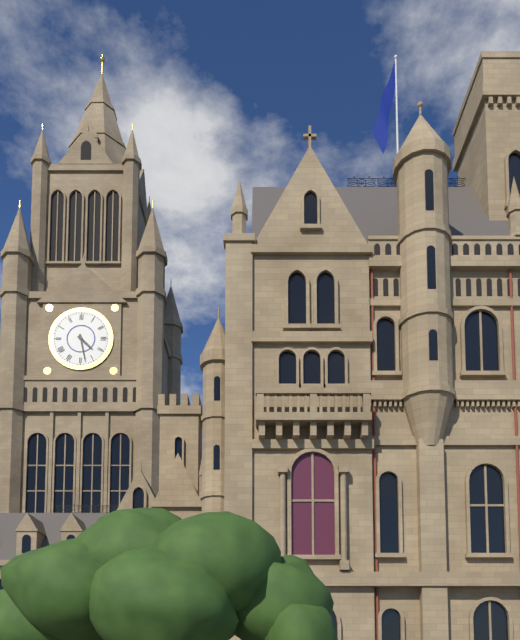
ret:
4,28
